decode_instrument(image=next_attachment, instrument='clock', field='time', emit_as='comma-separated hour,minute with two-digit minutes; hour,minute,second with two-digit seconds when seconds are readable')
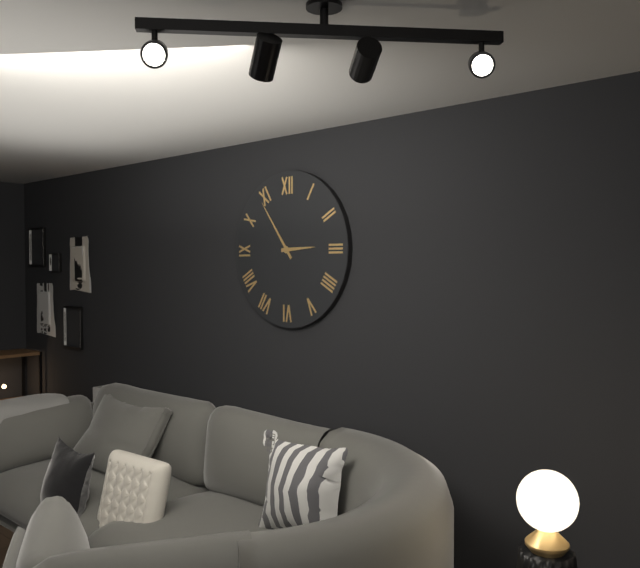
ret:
2,54
